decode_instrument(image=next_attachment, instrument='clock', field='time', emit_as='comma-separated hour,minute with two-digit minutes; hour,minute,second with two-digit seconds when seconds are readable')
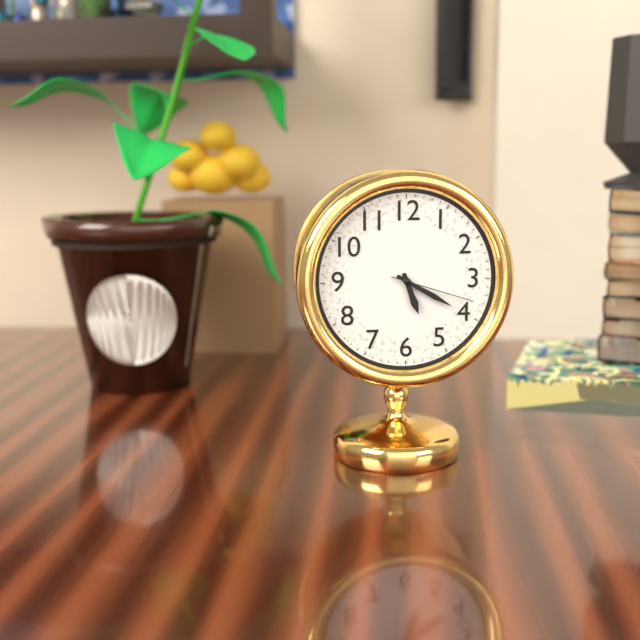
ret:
5,20,18
